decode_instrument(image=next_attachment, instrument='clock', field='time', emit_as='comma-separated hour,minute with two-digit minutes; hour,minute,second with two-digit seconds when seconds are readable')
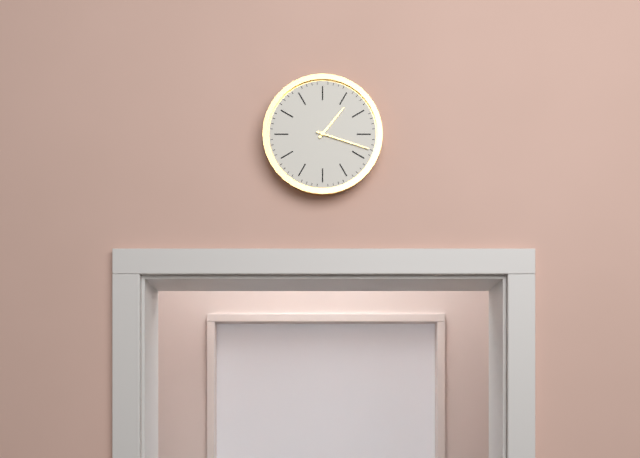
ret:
1,18
